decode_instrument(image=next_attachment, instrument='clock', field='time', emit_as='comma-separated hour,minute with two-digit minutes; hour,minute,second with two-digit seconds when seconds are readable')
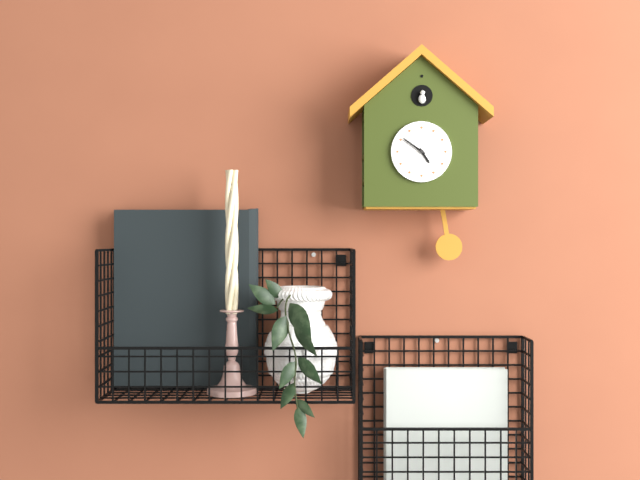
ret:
4,51
